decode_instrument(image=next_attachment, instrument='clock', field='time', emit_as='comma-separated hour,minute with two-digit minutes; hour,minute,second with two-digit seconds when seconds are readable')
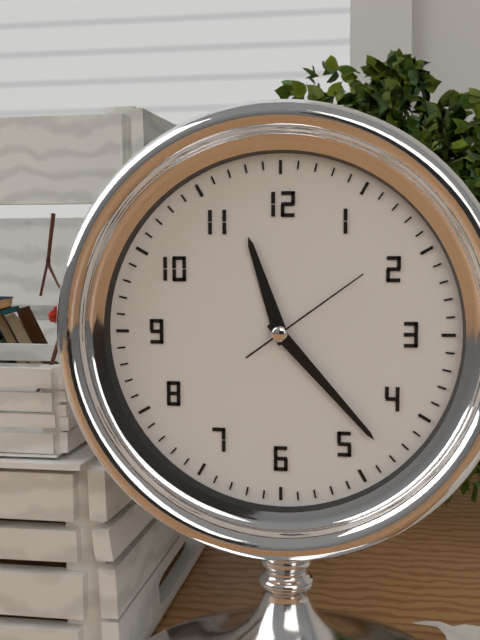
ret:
11,23,09
